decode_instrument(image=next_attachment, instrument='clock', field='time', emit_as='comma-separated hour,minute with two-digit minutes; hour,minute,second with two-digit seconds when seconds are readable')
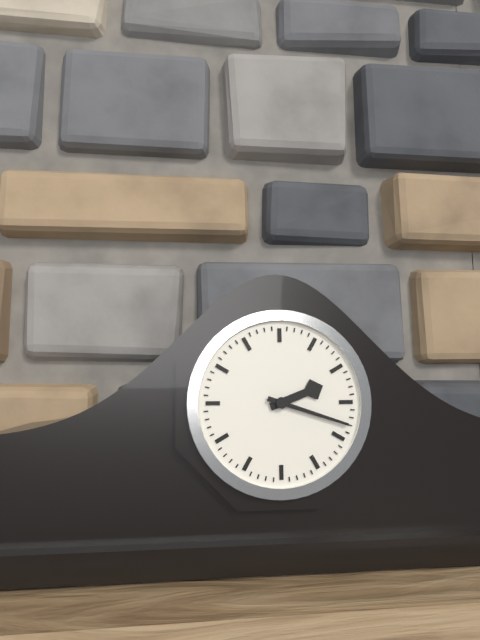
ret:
2,18
